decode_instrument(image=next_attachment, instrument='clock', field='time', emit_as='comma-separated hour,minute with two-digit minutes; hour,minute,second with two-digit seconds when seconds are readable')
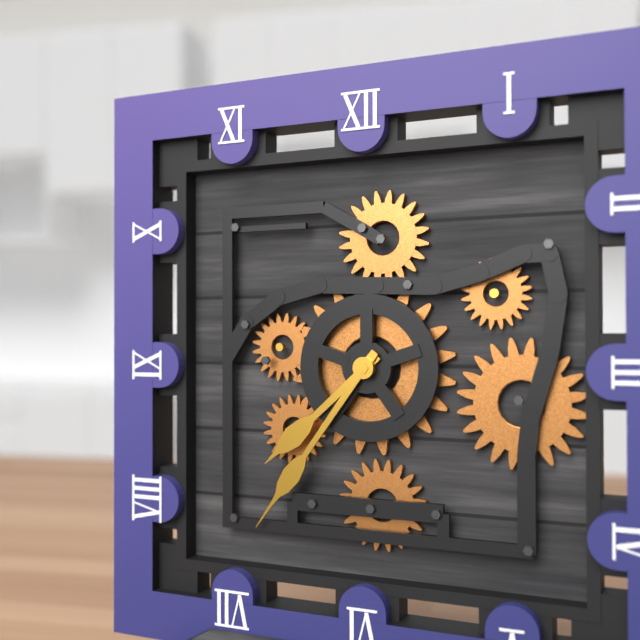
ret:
7,36
